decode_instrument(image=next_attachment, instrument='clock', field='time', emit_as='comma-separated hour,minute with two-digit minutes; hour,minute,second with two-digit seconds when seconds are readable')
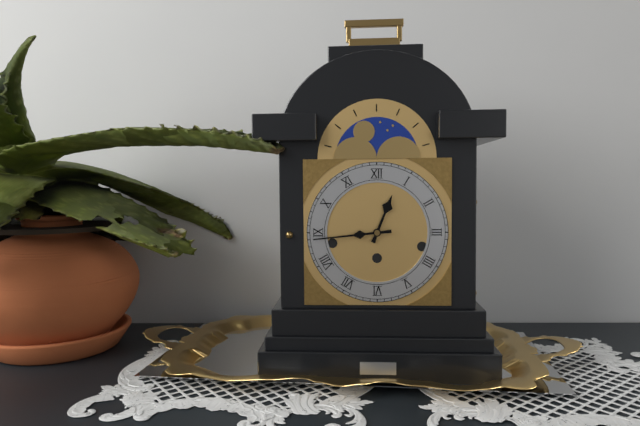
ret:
12,44
